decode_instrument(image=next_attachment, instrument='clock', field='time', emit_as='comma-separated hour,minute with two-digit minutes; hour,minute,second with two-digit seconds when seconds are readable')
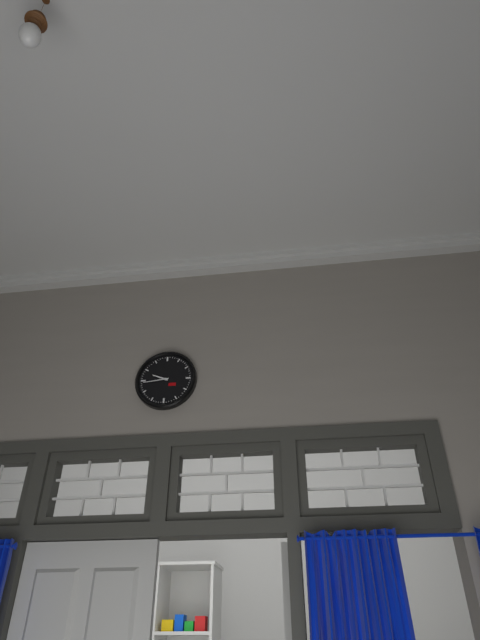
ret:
9,44
